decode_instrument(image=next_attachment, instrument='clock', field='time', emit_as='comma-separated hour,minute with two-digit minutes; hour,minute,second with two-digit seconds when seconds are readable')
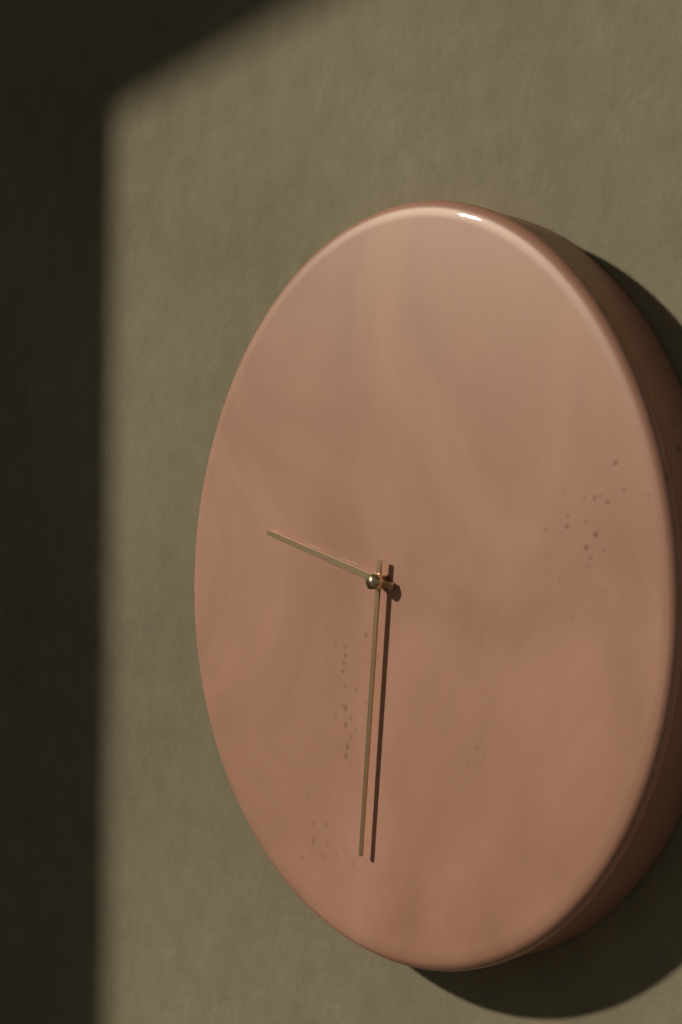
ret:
9,31
